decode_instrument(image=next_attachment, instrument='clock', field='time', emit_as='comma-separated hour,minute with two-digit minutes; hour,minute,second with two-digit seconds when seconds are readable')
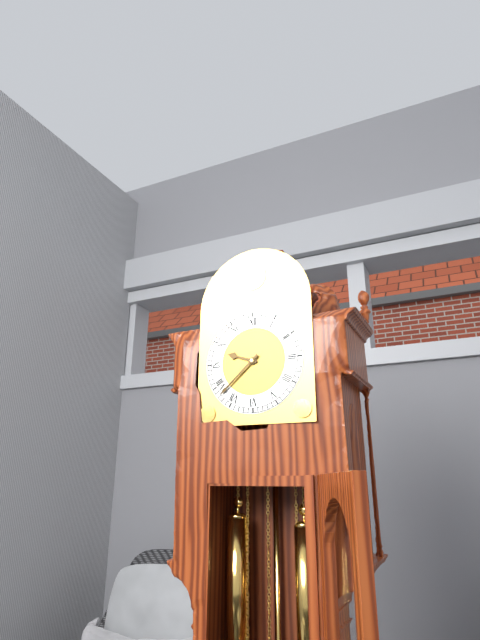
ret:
9,38
